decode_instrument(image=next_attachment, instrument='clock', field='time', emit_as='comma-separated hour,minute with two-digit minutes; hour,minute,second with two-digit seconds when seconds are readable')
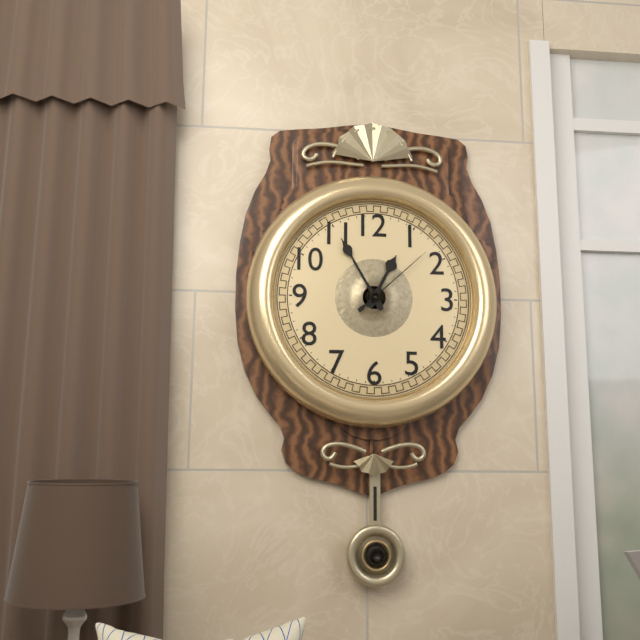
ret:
12,55,08
